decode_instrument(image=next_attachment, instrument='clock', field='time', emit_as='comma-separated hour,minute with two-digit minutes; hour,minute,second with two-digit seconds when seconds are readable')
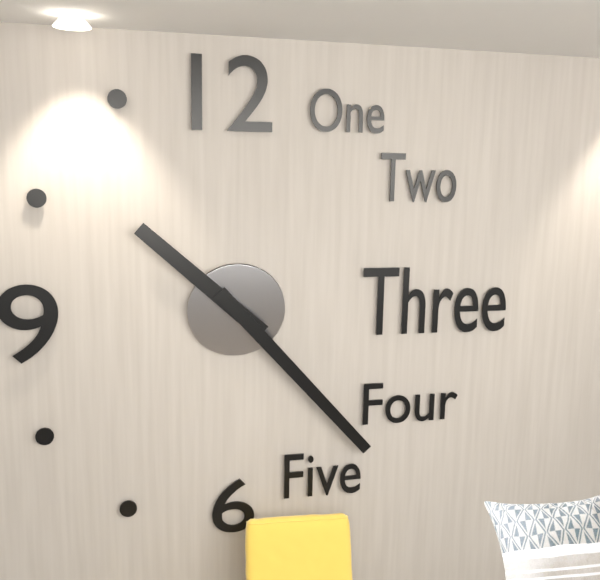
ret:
10,23
